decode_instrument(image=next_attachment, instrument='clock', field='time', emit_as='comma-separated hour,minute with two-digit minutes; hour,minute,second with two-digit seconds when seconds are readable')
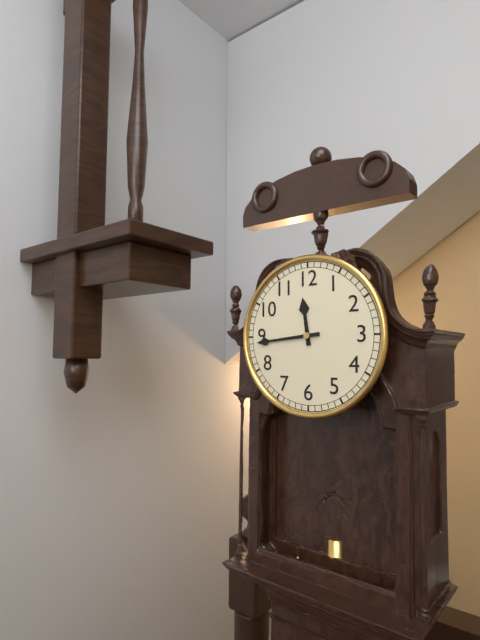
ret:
11,44
